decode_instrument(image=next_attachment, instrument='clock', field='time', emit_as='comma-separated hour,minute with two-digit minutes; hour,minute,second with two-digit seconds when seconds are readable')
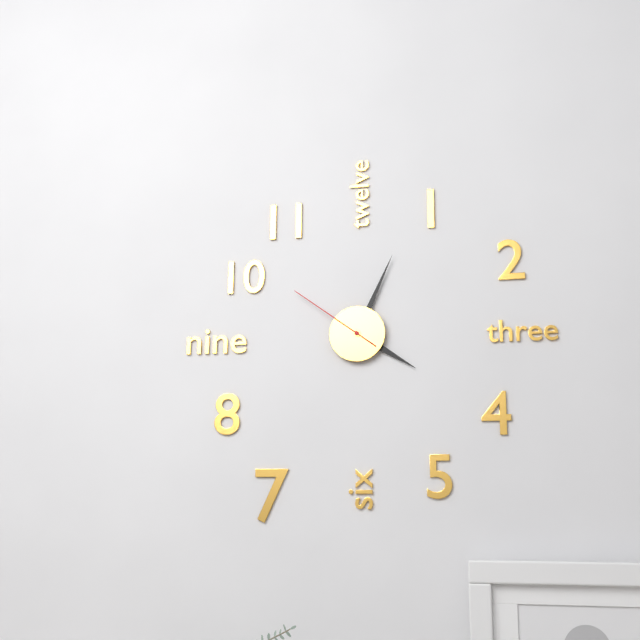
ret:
4,04,51
